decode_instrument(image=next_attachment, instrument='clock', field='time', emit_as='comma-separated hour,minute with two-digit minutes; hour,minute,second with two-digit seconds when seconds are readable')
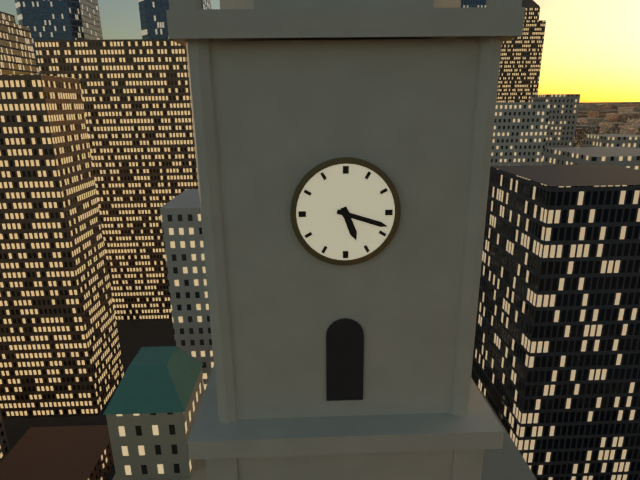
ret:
5,18
